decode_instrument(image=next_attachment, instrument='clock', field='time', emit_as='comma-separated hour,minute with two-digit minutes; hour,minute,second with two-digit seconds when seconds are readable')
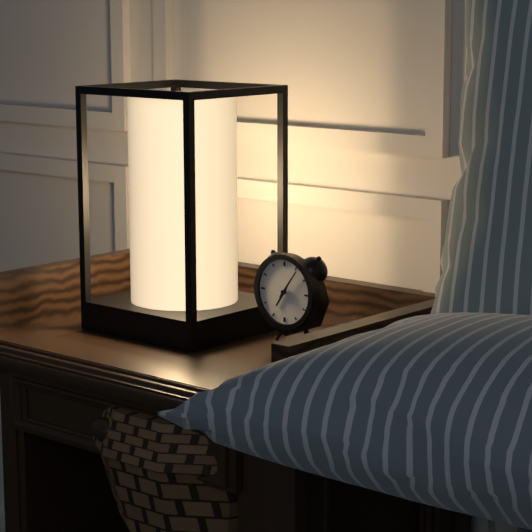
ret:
7,06
